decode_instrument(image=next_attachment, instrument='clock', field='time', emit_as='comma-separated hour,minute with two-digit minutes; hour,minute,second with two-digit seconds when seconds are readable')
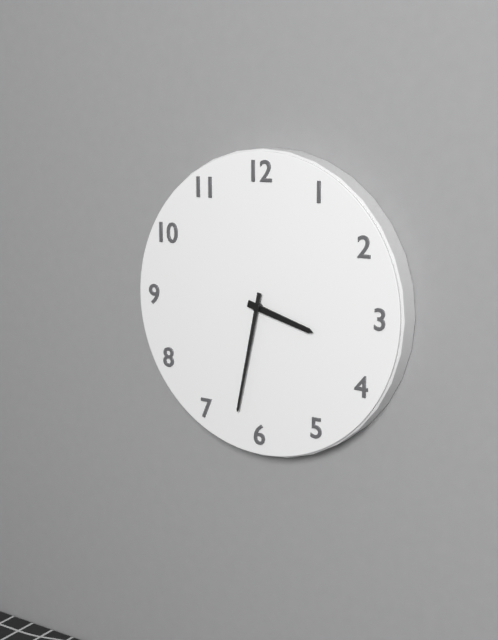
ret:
3,32
